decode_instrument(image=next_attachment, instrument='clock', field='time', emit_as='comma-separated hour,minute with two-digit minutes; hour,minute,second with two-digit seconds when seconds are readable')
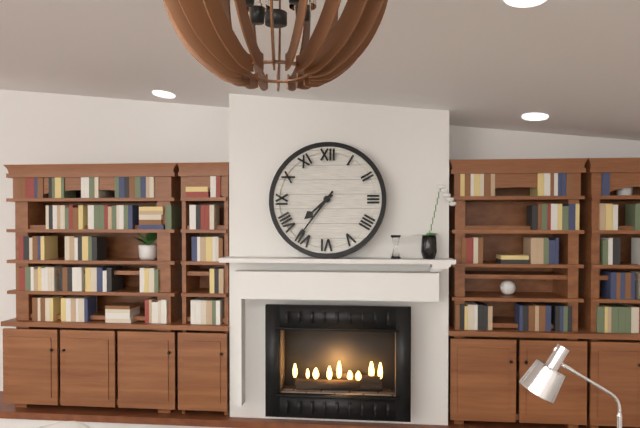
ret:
7,36
